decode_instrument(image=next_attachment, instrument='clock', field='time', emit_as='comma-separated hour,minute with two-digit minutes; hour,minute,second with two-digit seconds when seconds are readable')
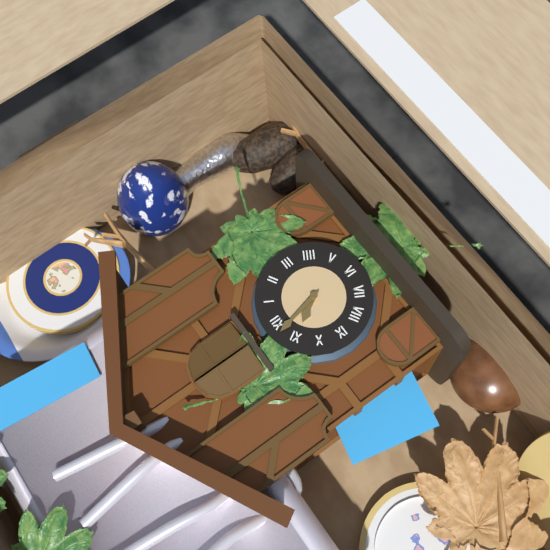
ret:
10,58
